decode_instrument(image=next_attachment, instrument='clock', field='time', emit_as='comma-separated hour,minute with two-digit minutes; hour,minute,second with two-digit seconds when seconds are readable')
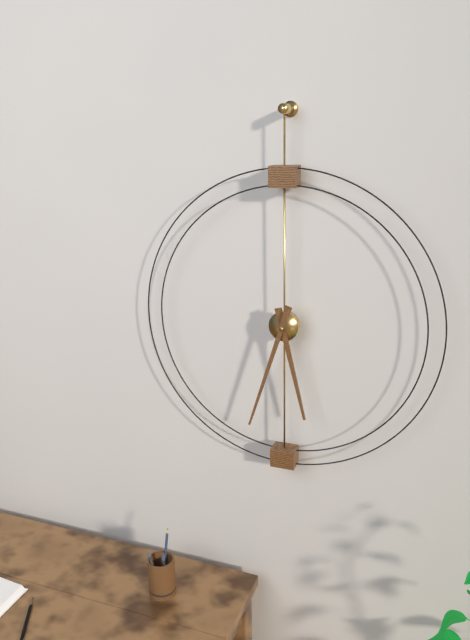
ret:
5,33
